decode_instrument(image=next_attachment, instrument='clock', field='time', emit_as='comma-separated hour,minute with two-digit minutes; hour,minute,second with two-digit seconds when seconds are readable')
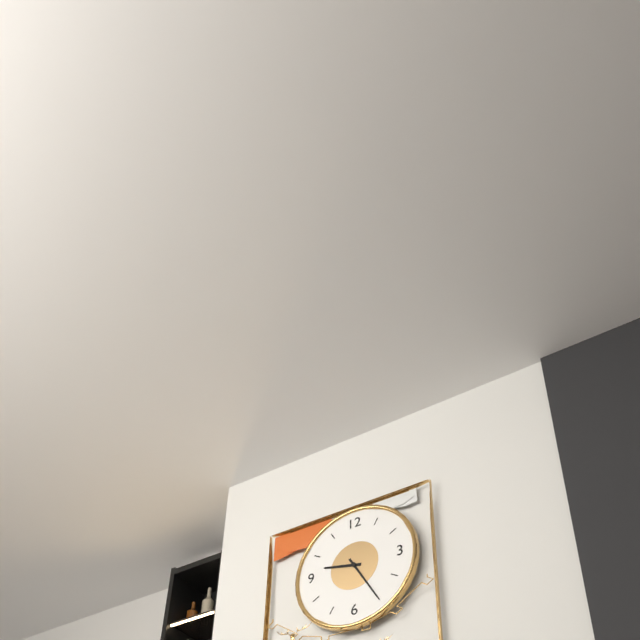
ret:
9,25
